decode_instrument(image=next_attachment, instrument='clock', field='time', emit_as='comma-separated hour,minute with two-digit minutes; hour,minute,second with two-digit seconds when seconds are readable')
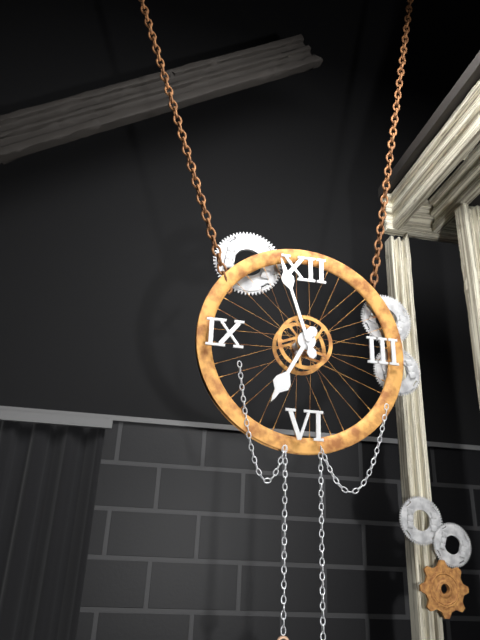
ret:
6,57
